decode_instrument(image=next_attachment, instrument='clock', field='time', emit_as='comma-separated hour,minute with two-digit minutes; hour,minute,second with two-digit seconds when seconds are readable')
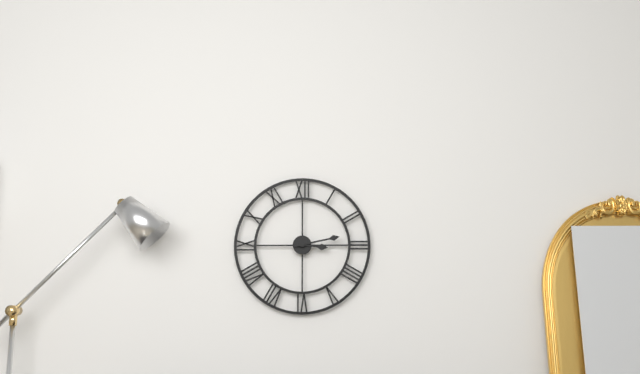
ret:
3,13
